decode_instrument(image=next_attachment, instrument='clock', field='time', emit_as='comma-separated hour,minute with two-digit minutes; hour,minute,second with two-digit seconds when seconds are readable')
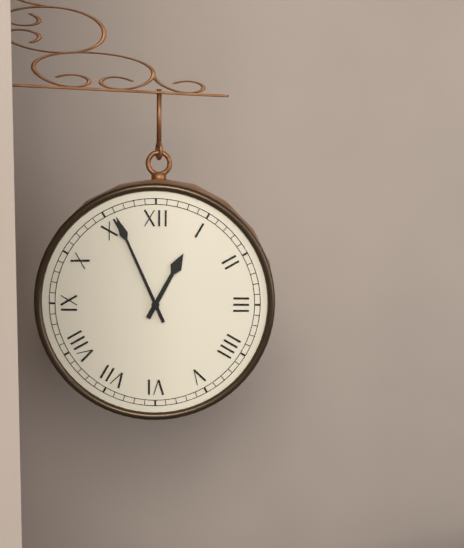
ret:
12,56
